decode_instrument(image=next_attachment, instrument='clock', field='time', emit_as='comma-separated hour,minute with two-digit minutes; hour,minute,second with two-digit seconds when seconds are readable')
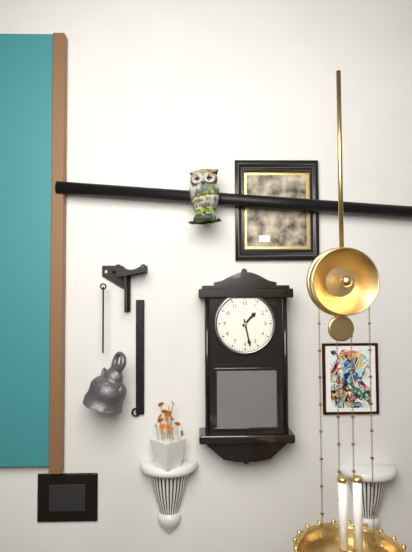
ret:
1,28
